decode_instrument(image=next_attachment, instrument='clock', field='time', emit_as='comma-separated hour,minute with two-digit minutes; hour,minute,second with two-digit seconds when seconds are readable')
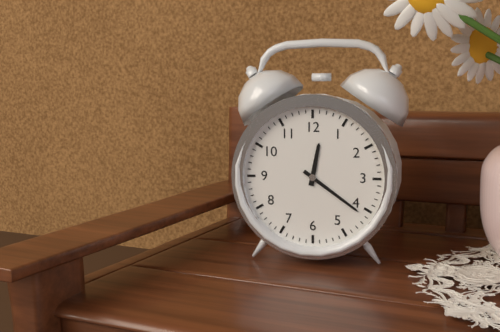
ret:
12,21
